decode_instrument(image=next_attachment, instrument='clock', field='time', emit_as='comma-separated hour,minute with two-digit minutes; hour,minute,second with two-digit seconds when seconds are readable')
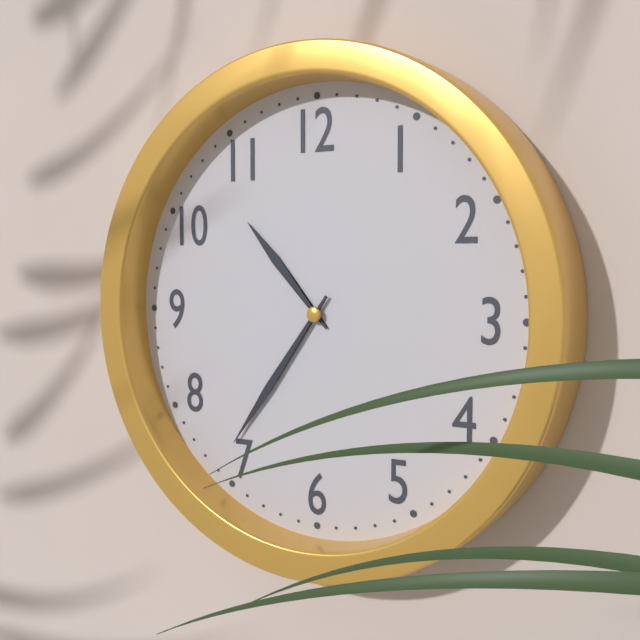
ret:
10,36
